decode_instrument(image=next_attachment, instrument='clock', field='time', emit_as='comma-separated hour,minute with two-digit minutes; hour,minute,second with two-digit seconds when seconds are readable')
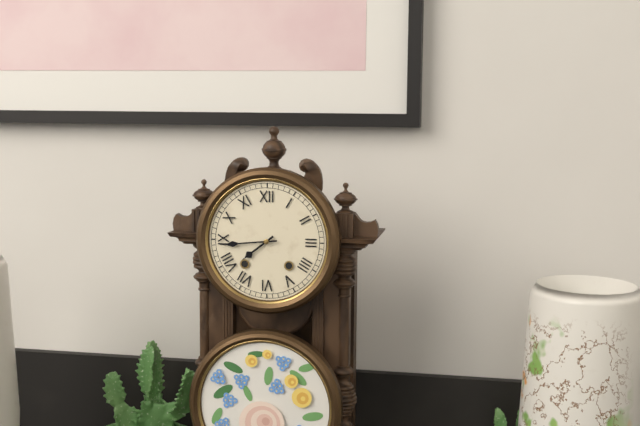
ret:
7,44
